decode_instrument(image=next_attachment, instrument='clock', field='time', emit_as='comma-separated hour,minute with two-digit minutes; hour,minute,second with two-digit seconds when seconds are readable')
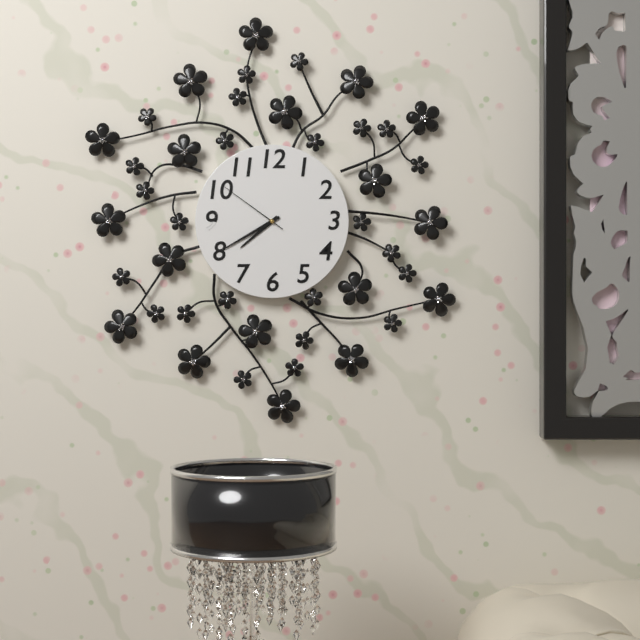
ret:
7,40,51
